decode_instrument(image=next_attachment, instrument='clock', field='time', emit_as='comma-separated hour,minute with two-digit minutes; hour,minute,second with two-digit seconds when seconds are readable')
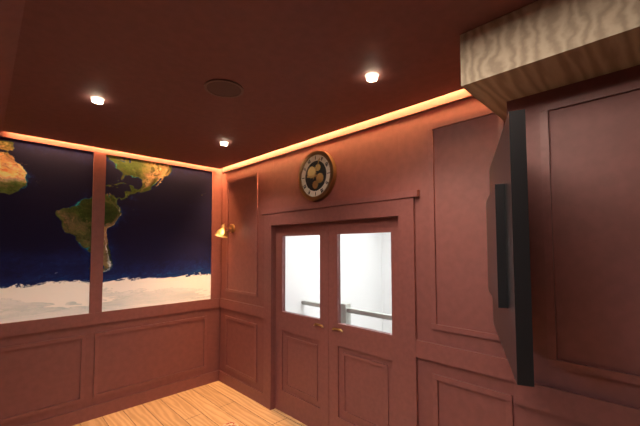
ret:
9,04
